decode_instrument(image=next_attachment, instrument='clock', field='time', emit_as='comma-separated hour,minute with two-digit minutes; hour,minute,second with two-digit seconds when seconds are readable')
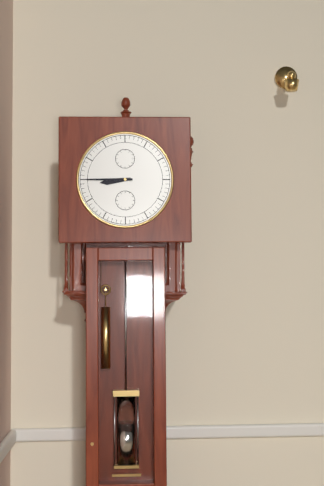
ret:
8,45
